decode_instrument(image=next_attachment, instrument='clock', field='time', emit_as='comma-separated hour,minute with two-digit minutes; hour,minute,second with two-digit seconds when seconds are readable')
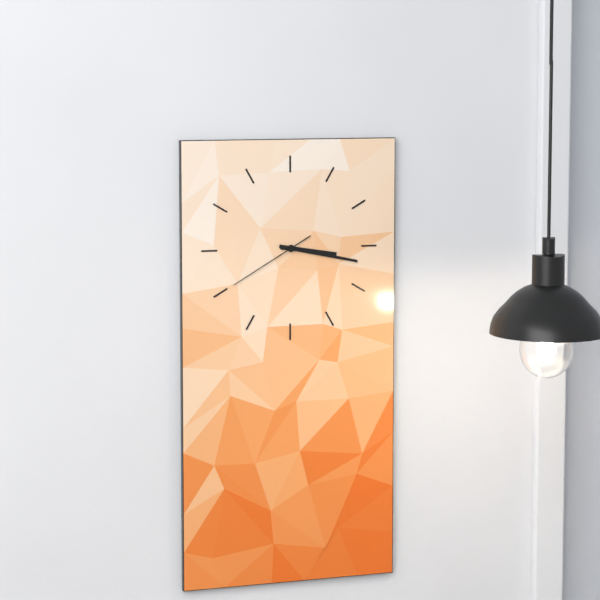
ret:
3,17,40
